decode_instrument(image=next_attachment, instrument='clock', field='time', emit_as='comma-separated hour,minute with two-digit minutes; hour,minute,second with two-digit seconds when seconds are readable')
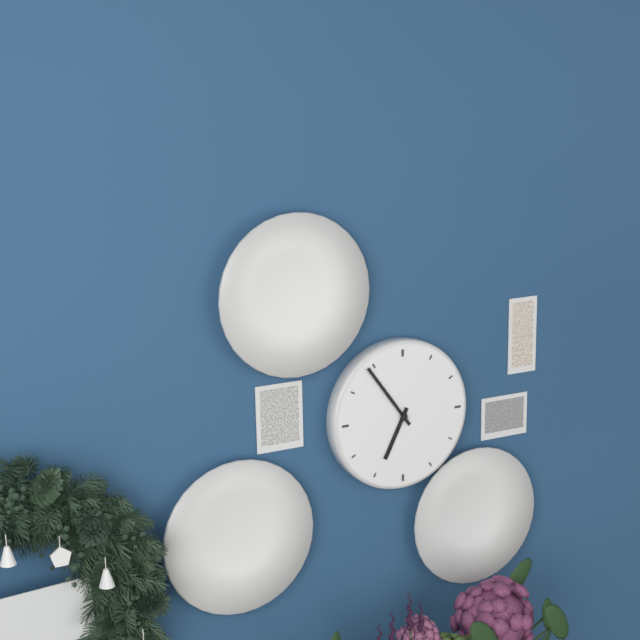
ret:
6,54
